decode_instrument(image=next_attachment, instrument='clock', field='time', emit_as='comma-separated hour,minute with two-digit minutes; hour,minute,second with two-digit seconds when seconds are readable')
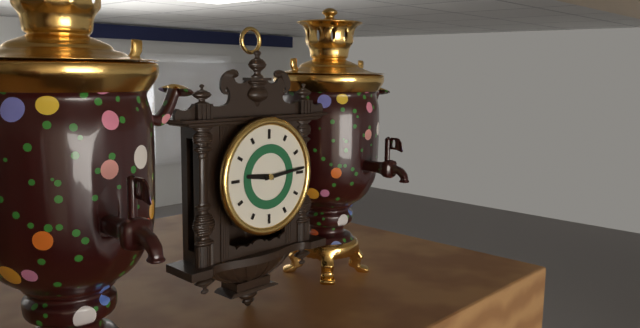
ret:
9,14
